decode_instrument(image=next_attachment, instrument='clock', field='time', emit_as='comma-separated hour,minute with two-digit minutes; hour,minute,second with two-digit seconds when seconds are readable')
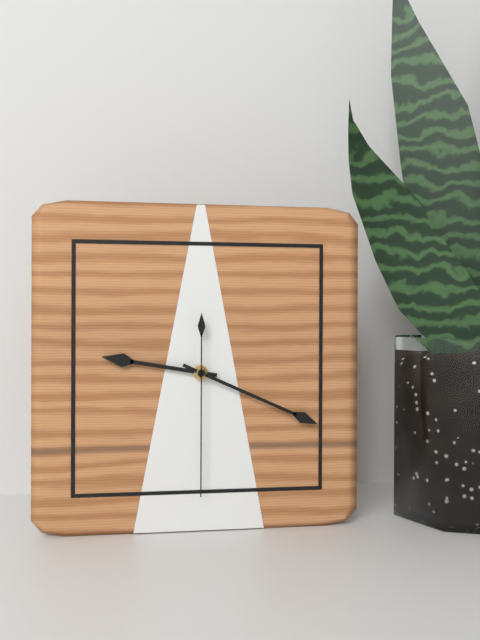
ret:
9,19,30
